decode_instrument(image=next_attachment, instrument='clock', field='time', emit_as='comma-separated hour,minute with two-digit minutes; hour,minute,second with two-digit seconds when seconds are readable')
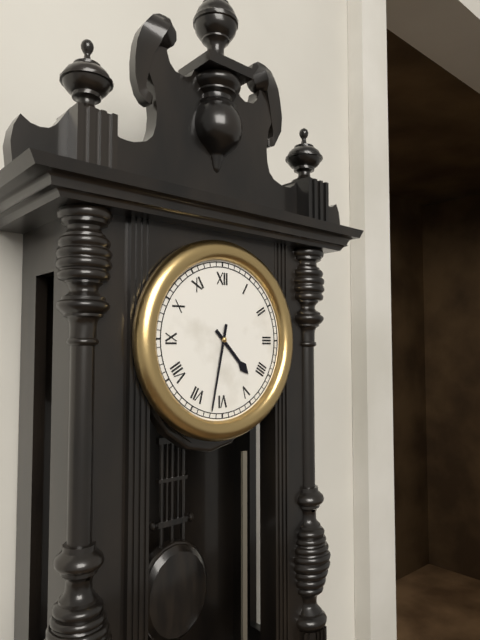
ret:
4,32
